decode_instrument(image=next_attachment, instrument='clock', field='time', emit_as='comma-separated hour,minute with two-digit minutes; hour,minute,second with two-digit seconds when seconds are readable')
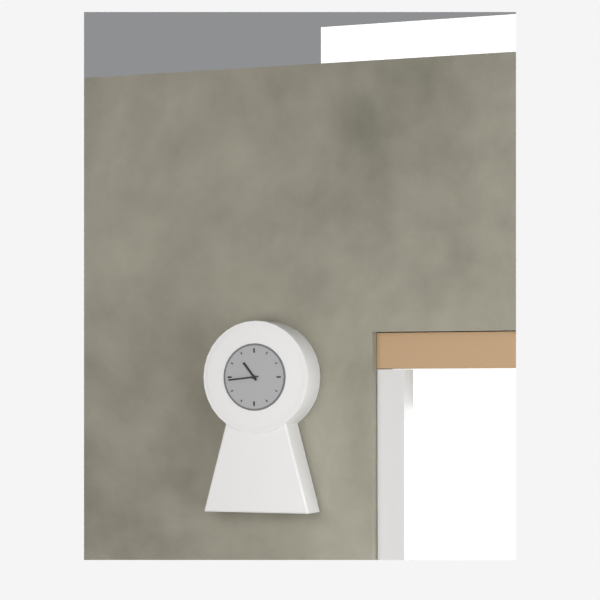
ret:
10,44
